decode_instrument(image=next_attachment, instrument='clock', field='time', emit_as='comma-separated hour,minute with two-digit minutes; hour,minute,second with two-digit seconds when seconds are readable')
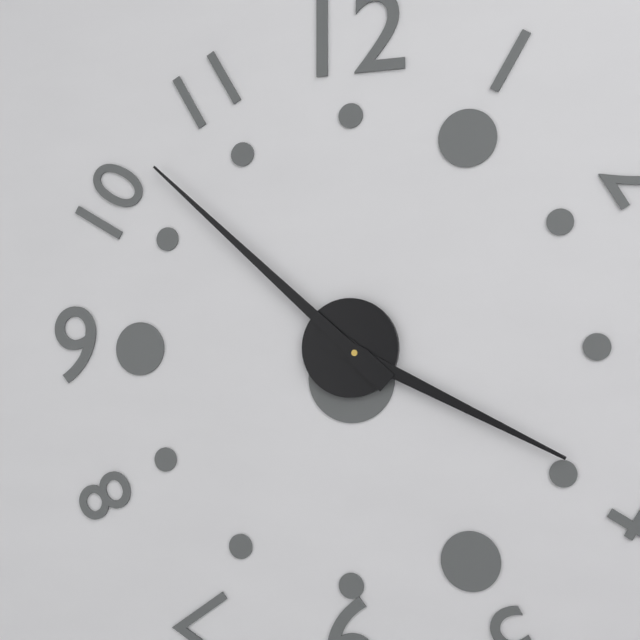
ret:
3,52
